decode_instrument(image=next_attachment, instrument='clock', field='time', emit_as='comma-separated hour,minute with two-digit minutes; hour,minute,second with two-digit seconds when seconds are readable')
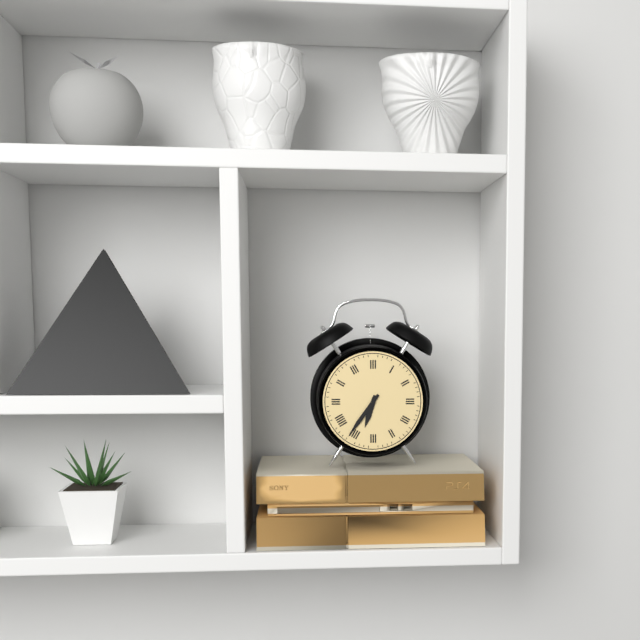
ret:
6,36
